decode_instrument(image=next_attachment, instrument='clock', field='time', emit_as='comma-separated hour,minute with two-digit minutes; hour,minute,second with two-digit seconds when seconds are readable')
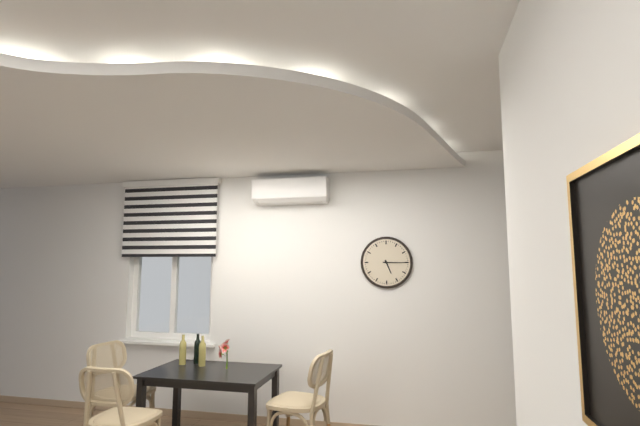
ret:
5,15
